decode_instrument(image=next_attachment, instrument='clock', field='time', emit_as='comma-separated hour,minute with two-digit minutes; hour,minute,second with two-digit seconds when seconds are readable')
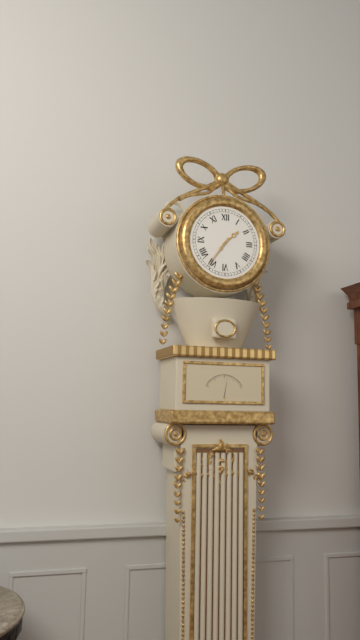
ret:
1,36
